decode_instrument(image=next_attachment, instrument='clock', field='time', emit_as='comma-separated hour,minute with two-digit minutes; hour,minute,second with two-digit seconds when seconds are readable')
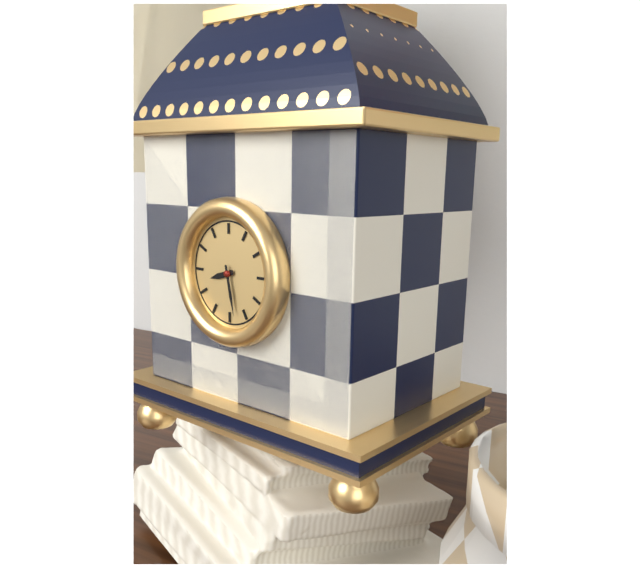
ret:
8,28
